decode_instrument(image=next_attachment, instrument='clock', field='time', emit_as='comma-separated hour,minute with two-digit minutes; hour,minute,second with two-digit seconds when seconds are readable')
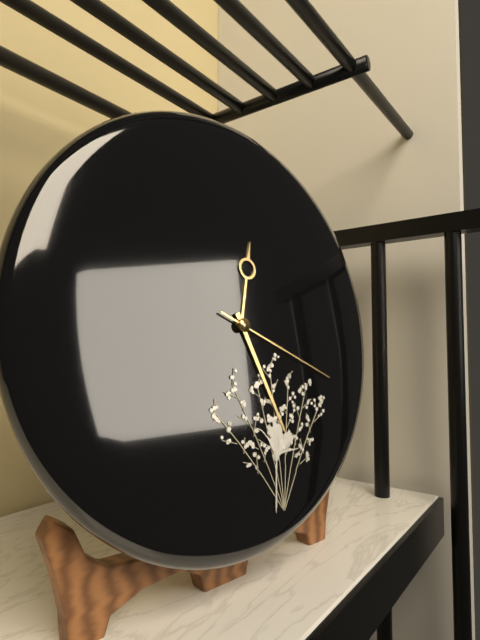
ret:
12,26,19
